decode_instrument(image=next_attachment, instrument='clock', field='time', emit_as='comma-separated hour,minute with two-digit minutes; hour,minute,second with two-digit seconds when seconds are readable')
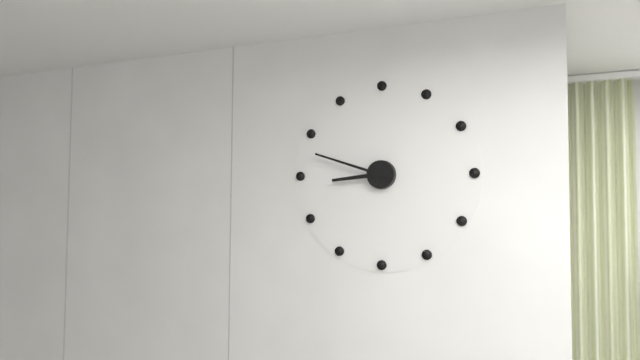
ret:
8,48
